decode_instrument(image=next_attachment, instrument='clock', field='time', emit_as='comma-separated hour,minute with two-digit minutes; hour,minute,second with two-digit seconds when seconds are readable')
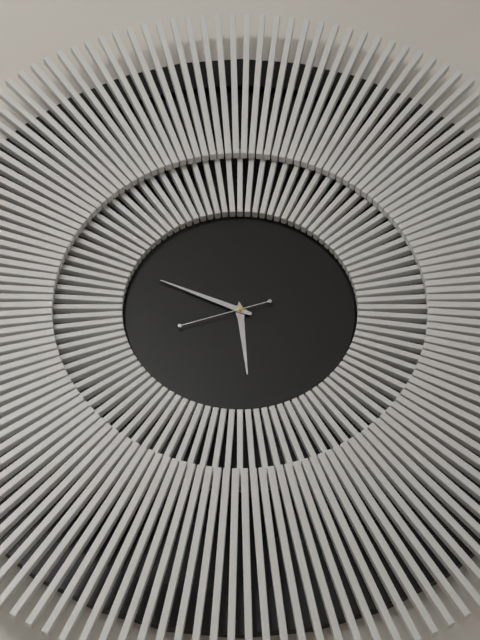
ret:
5,49,42
